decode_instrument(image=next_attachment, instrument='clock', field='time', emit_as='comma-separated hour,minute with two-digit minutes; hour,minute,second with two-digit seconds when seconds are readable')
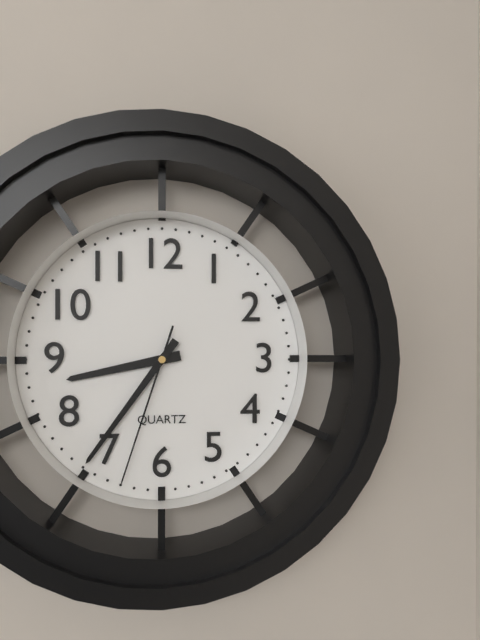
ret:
8,36,33
